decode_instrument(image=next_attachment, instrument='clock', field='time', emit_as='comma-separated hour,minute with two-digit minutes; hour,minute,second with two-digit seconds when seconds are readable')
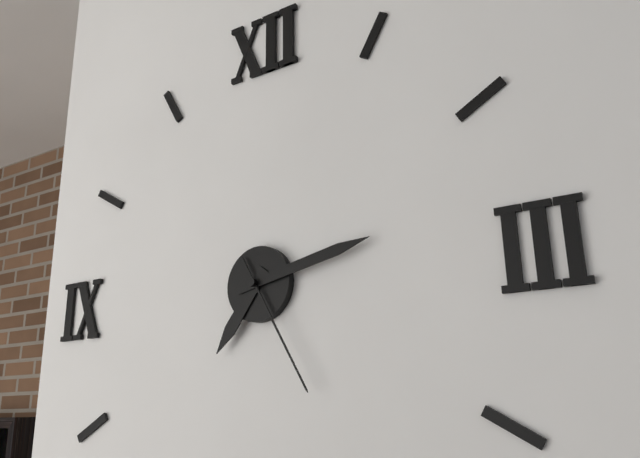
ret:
7,13,25
